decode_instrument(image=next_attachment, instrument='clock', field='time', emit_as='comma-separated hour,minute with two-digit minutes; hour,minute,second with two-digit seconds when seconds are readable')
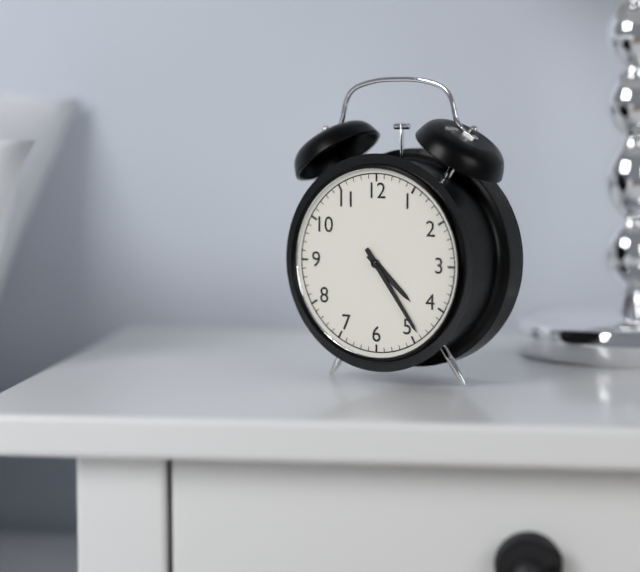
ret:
4,24
